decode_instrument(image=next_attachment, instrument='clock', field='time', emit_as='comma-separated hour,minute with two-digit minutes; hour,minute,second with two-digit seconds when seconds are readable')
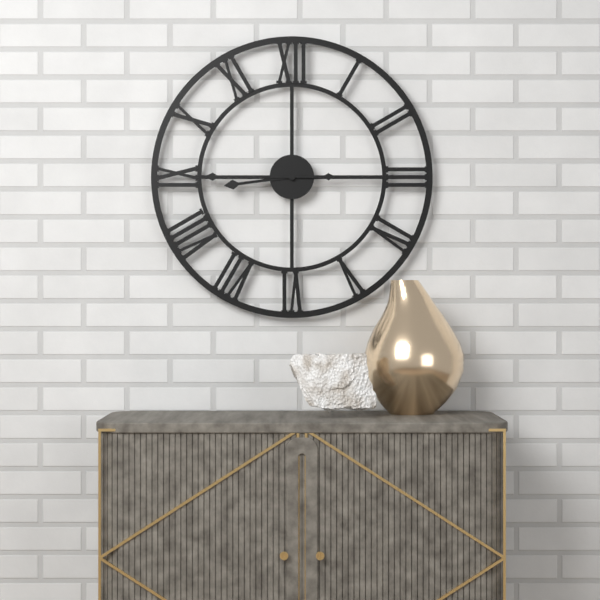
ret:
8,45
